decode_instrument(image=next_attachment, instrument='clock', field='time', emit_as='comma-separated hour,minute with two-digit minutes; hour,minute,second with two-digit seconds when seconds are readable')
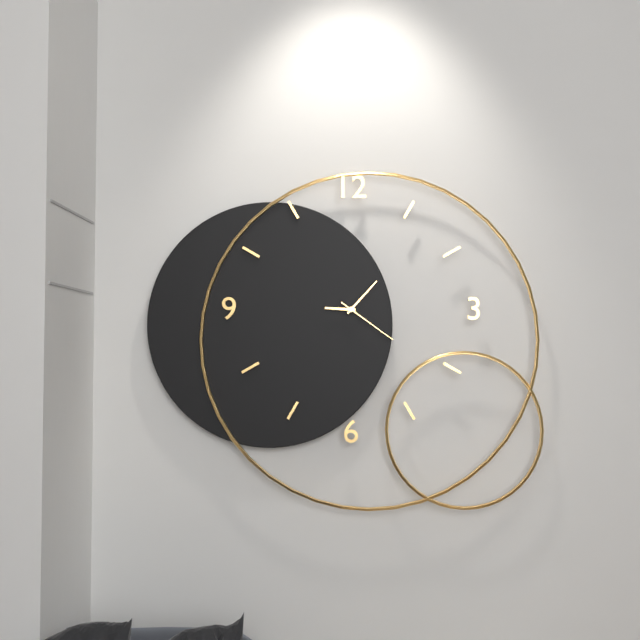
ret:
9,07,21
